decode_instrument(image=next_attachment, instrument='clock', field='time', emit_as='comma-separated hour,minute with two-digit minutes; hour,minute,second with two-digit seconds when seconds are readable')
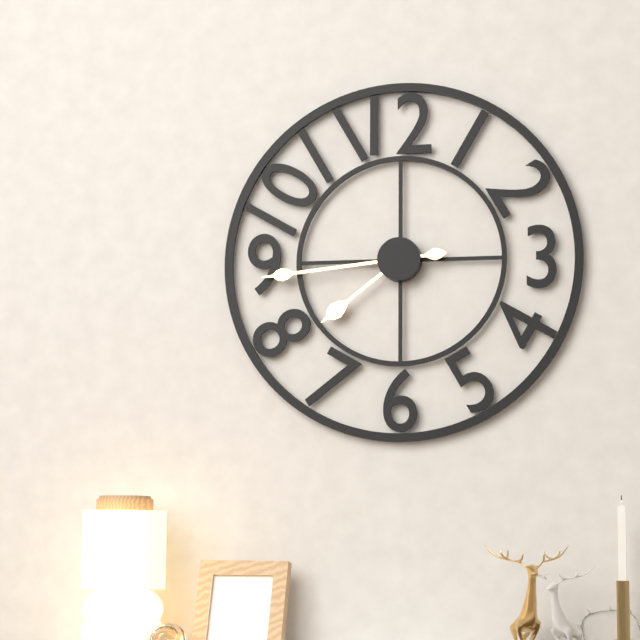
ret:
7,44
